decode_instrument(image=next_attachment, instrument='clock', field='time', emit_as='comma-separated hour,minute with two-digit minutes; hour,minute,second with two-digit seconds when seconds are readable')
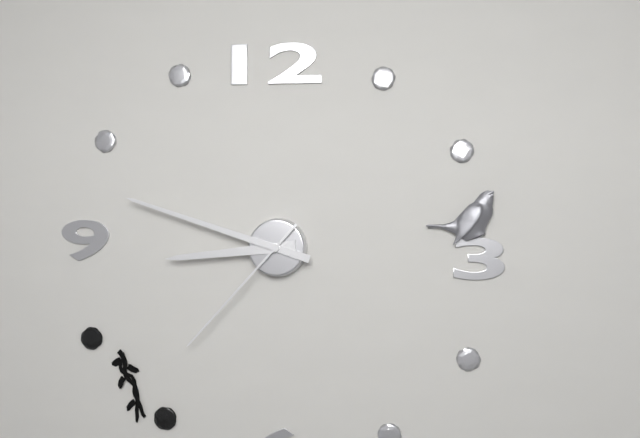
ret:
8,48,37
